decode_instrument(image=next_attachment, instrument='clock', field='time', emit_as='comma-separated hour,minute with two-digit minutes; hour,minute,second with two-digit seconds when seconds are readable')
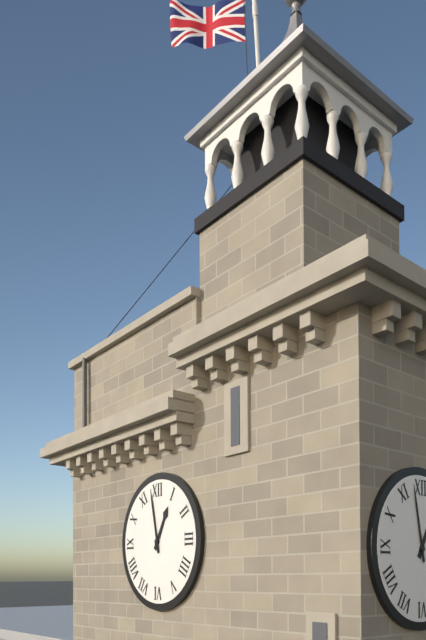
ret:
12,58
